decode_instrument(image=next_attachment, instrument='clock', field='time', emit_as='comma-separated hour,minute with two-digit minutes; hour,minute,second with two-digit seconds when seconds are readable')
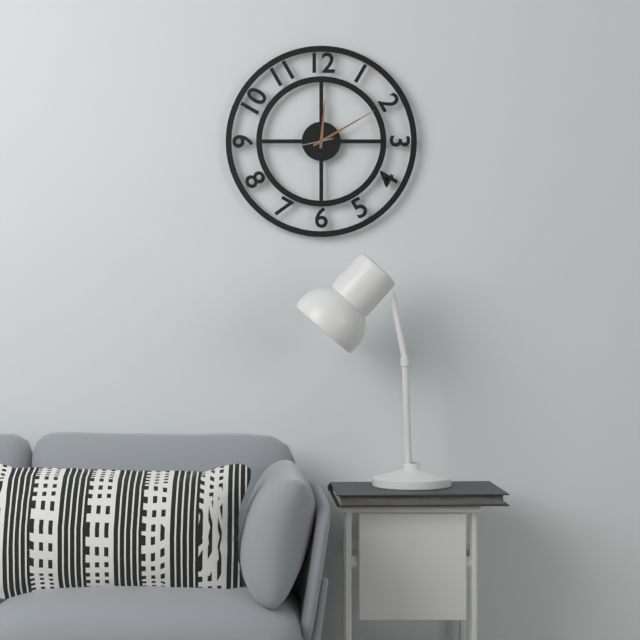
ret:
12,10,43
